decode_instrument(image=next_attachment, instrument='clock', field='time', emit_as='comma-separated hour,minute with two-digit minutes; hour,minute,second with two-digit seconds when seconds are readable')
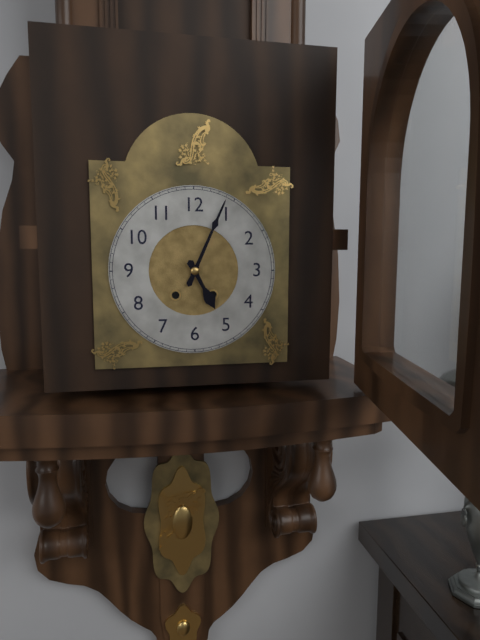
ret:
5,04
